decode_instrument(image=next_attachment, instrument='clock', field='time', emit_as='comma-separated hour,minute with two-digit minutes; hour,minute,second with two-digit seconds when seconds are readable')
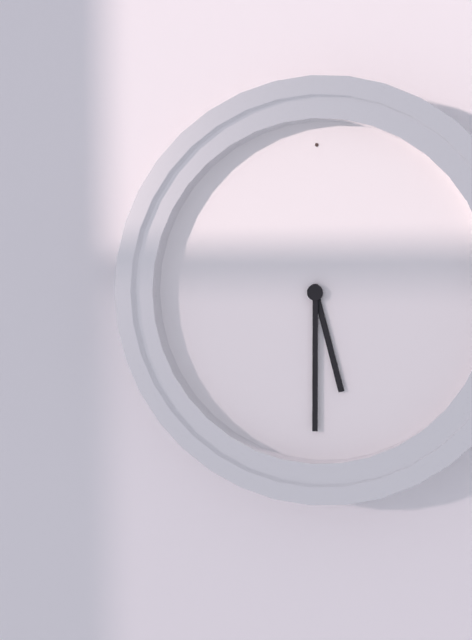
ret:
5,30
